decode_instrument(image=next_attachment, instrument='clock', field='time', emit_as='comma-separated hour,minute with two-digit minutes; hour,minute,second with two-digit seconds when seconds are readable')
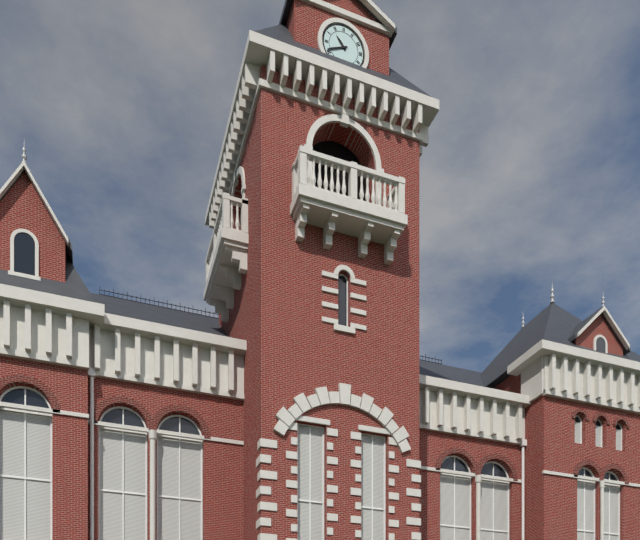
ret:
10,41
